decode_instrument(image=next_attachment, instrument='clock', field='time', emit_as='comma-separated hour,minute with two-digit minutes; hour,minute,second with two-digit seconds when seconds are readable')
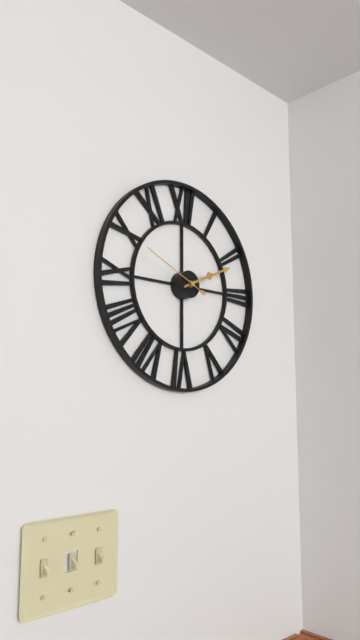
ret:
2,11,49
